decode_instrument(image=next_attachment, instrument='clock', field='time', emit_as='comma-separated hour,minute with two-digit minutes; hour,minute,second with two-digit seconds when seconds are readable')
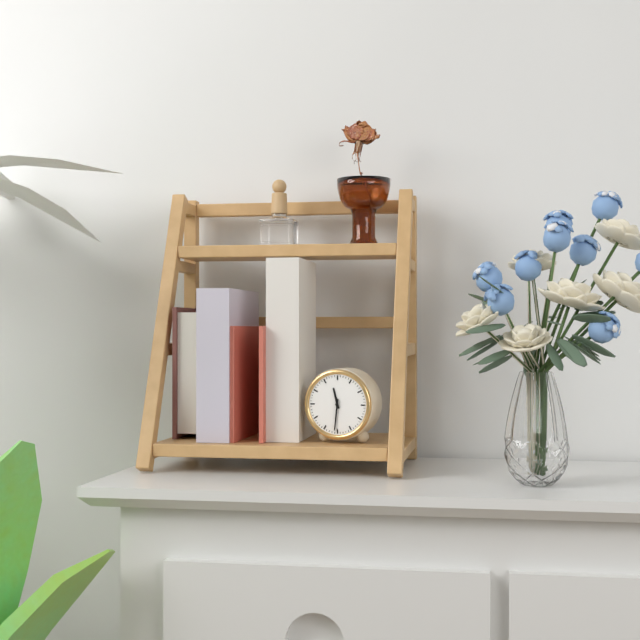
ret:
11,31
